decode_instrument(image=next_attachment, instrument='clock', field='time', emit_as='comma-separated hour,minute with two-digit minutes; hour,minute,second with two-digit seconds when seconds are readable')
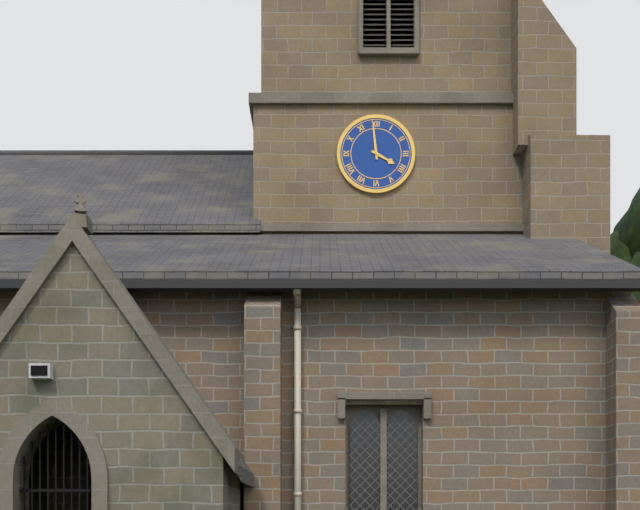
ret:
3,59
